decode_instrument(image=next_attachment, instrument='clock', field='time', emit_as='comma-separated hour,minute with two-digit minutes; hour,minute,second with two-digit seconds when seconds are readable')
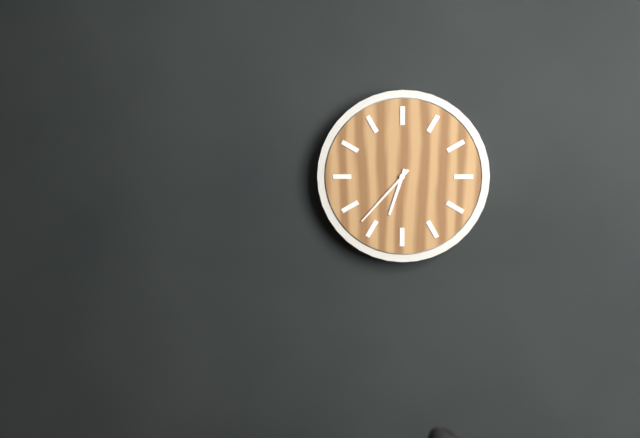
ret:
6,37
